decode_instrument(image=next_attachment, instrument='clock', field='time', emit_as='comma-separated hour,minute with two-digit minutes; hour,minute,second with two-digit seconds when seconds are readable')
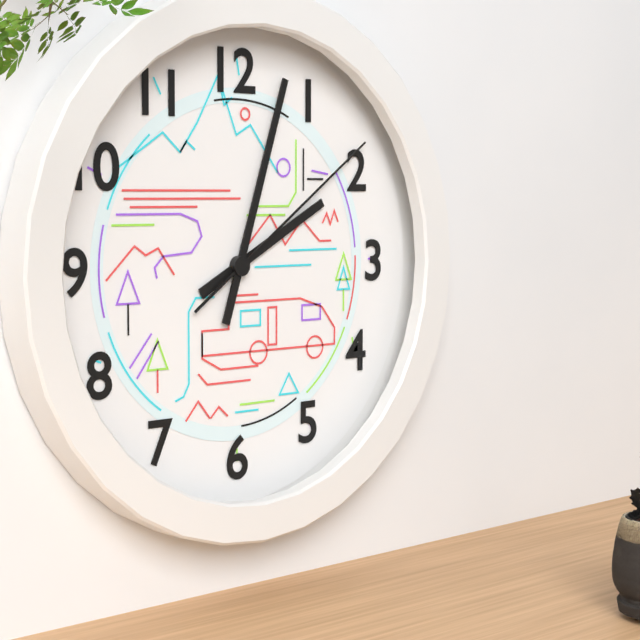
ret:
2,03,09
